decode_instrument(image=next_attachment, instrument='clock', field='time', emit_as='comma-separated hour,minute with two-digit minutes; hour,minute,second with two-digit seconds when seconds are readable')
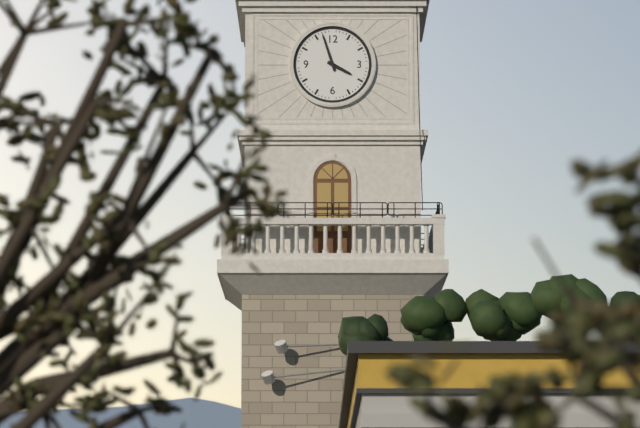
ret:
3,57
